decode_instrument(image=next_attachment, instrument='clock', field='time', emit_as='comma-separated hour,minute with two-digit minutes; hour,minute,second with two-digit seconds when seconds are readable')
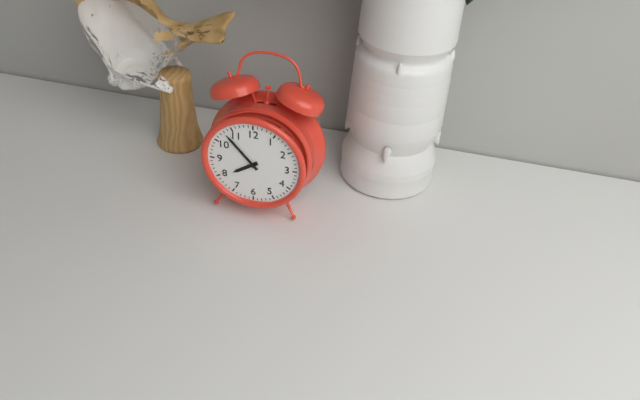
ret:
7,53
